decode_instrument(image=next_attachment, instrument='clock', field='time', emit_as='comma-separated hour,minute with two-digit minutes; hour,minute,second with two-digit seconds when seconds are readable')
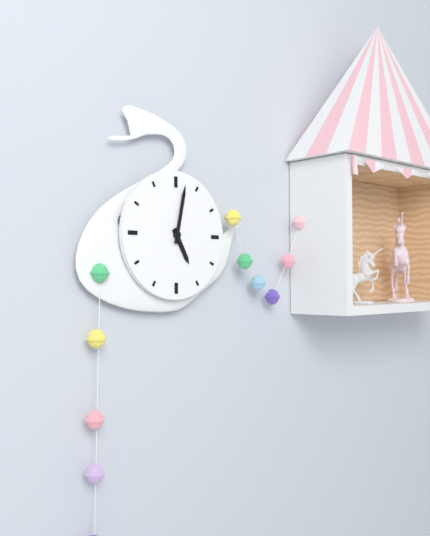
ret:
5,02
